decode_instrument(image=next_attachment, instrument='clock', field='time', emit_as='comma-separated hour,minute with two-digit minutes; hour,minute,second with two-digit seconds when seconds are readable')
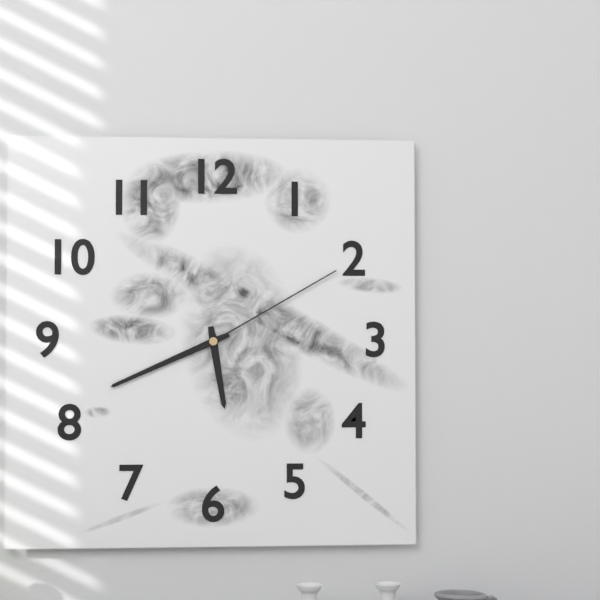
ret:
5,41,10
